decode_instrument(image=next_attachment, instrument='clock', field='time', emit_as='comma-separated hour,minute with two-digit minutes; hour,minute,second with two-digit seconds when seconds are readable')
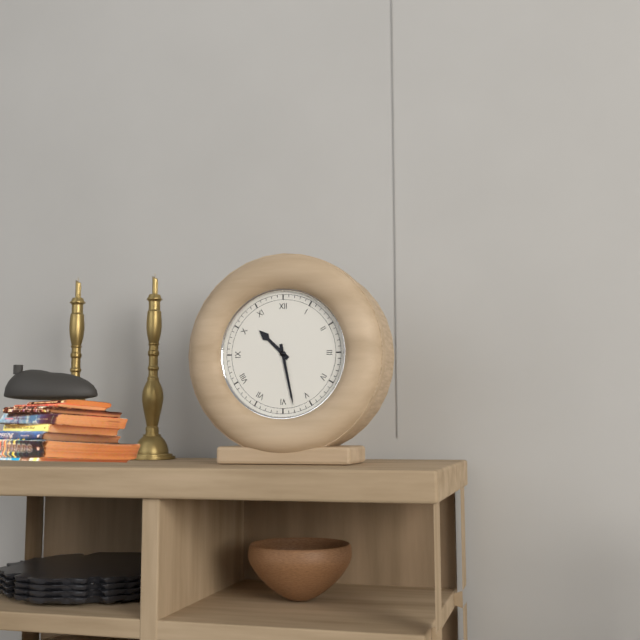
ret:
10,28
